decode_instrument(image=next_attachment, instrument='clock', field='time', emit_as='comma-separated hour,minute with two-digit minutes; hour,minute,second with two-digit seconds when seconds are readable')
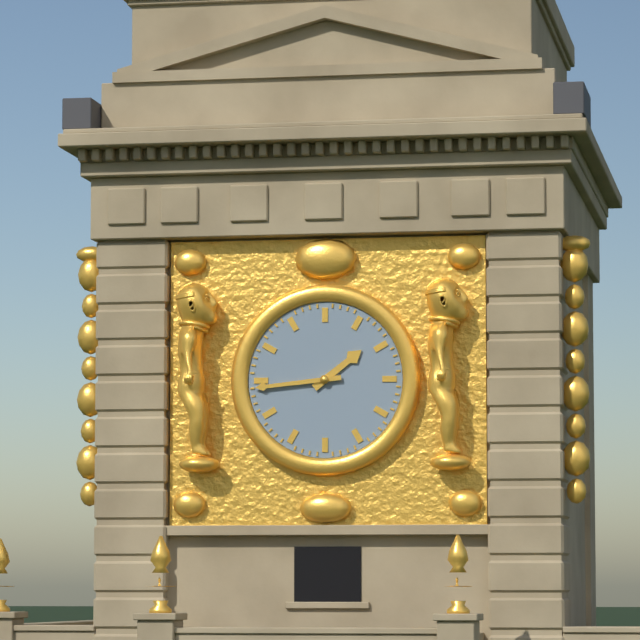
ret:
1,44
